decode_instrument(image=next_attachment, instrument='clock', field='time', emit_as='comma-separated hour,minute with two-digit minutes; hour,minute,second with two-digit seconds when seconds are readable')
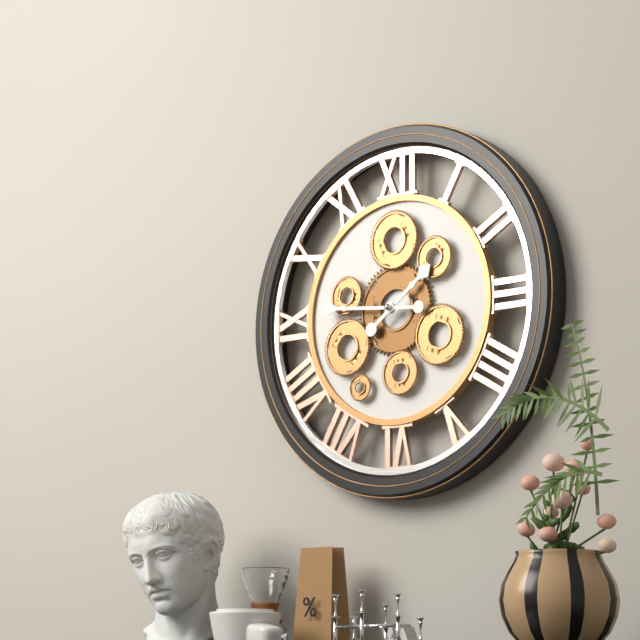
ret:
1,46
